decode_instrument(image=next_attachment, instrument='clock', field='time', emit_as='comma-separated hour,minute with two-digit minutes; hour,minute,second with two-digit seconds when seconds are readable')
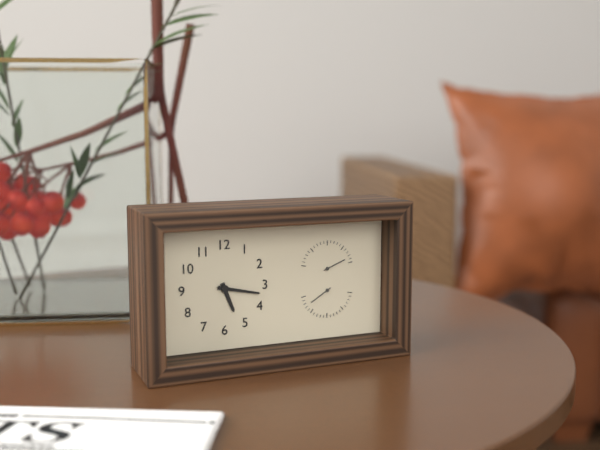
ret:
5,17
